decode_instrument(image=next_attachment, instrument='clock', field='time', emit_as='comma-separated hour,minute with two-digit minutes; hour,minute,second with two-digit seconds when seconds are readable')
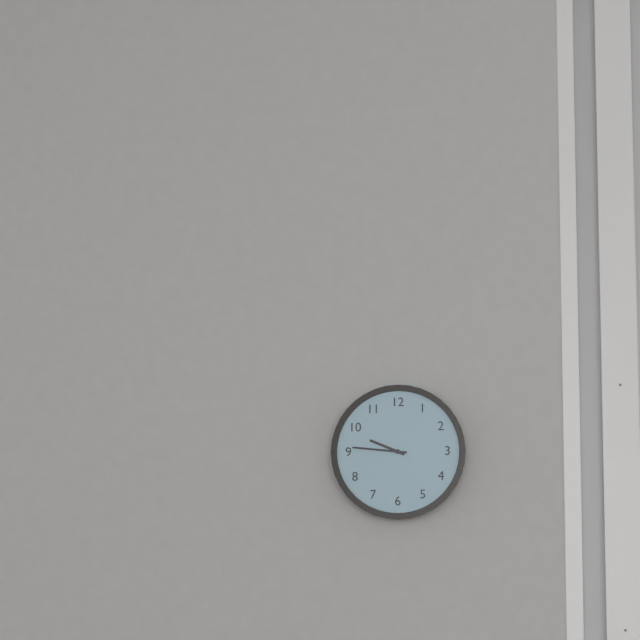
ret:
9,46
